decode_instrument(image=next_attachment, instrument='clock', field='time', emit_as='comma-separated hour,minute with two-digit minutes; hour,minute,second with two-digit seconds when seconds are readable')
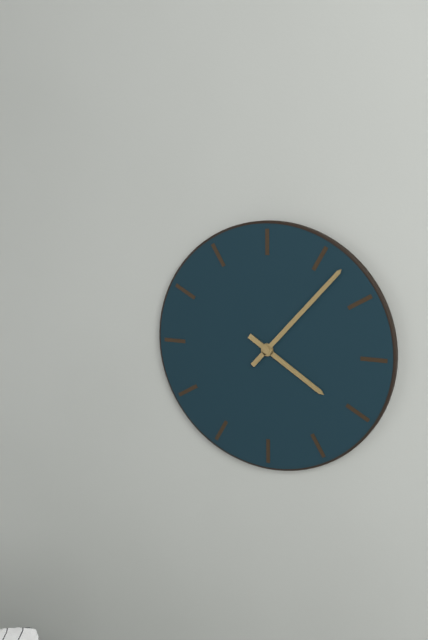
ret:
4,07
